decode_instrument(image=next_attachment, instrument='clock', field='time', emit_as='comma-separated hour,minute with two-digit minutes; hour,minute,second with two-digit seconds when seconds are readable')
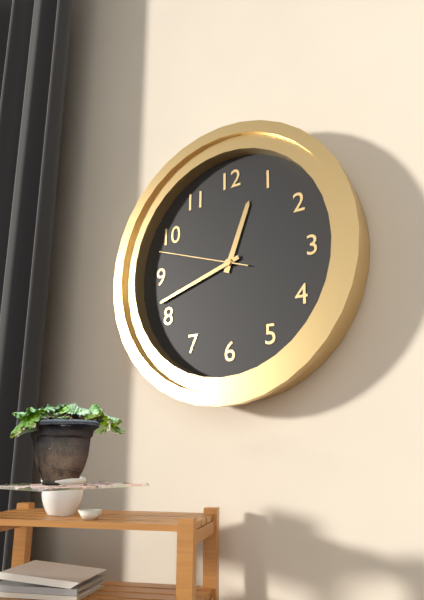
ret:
12,42,48
